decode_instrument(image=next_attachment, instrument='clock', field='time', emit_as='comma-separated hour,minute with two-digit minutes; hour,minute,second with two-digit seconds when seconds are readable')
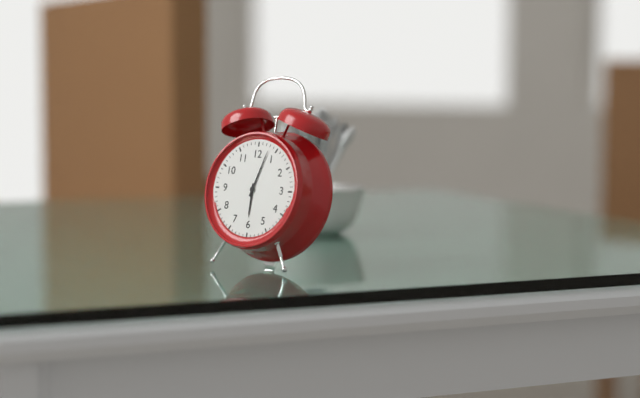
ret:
6,03
